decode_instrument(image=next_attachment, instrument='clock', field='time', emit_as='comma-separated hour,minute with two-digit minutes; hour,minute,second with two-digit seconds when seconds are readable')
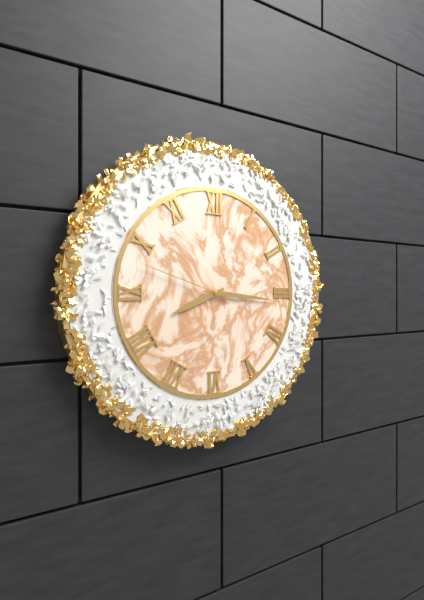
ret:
8,16,48
